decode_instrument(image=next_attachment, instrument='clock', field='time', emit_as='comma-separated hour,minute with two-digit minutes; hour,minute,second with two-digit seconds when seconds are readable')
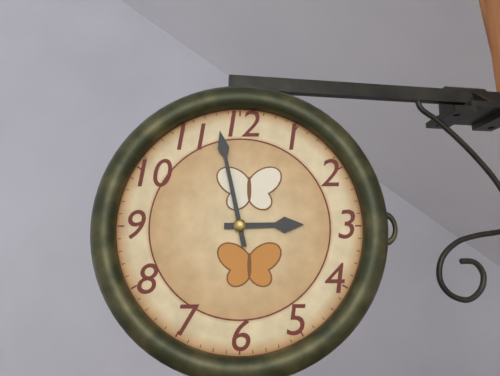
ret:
2,58
